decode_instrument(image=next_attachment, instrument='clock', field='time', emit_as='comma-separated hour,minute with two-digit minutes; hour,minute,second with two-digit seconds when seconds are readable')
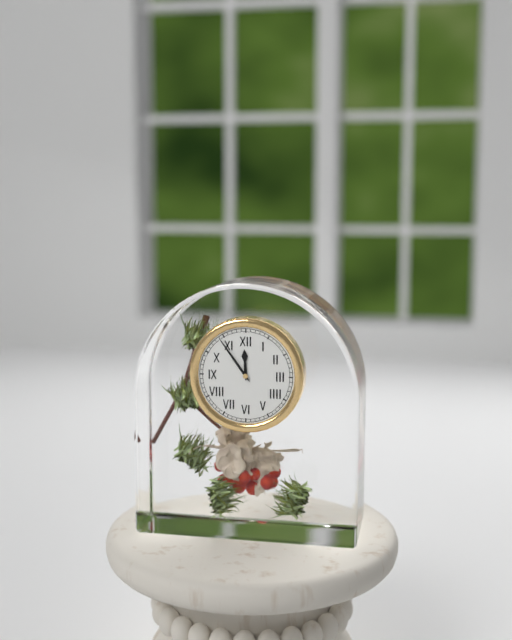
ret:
11,54
